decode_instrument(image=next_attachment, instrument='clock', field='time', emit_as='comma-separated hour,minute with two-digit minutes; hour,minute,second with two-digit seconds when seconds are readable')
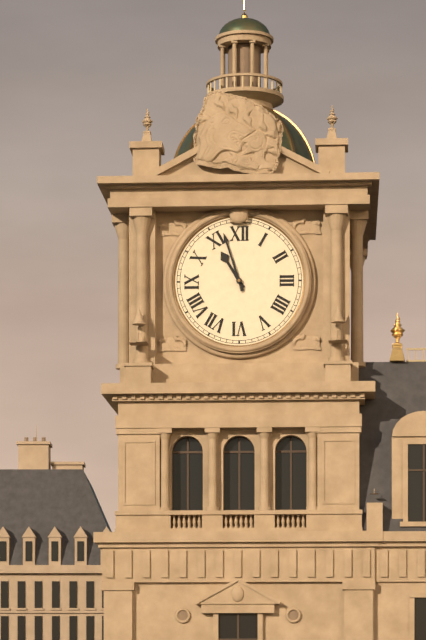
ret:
10,57
